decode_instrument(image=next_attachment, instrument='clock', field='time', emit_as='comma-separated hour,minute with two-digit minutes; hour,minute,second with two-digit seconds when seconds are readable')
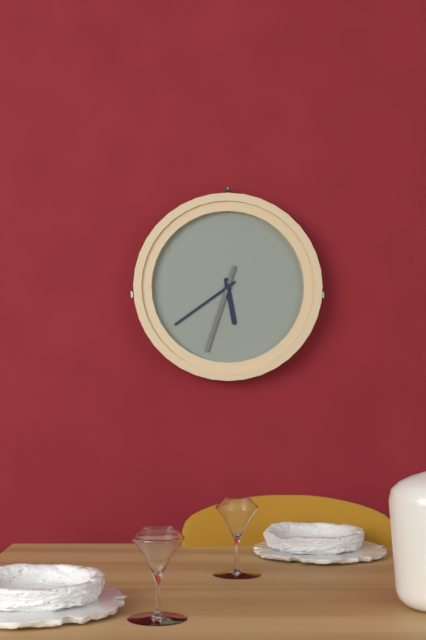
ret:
5,39,33
